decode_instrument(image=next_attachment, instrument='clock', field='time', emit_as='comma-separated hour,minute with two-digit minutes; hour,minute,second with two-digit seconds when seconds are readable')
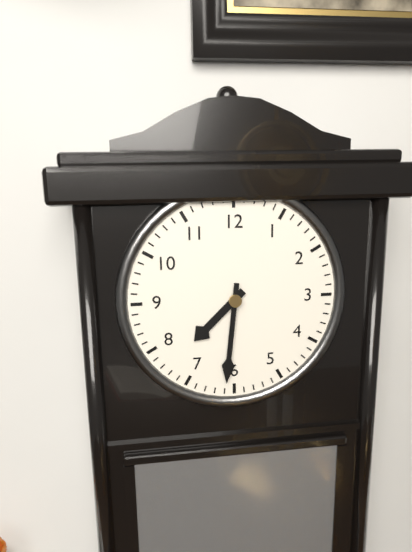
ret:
7,31
